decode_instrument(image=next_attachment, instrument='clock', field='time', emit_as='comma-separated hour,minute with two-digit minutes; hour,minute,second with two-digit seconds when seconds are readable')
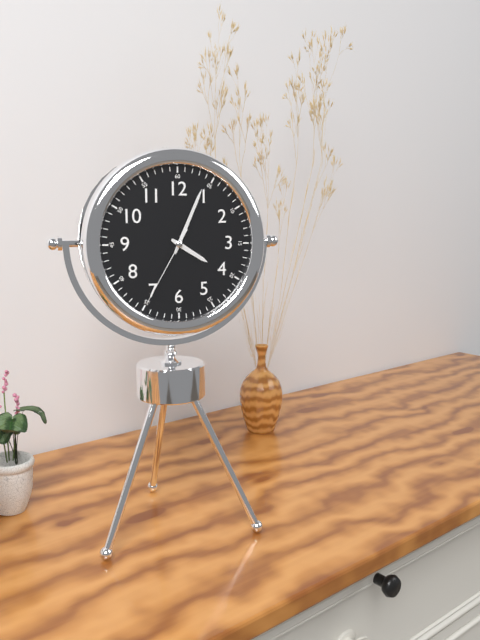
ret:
4,04,35
